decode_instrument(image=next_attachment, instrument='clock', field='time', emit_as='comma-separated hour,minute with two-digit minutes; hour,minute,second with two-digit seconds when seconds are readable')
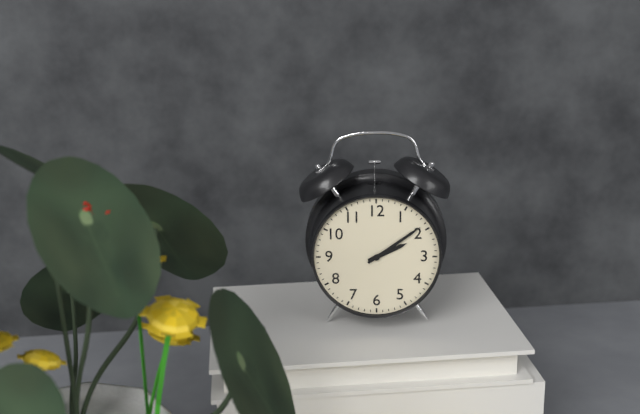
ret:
2,09
